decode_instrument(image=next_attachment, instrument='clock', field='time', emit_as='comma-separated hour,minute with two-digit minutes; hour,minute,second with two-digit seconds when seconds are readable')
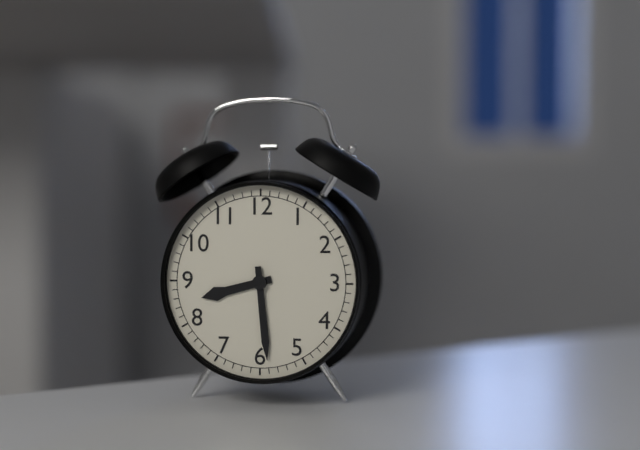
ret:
8,29
